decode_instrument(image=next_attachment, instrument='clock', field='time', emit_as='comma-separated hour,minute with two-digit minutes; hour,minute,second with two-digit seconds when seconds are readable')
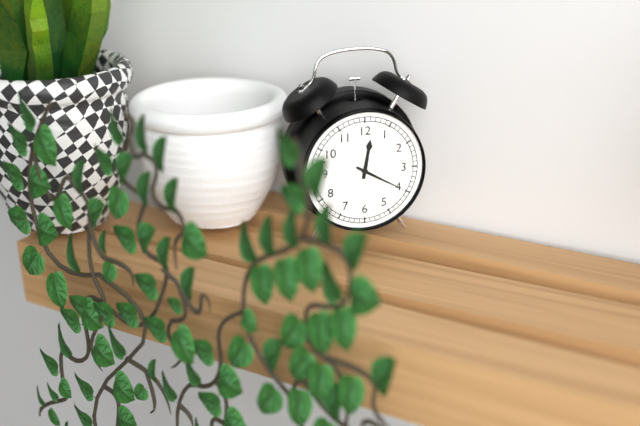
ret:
12,20
